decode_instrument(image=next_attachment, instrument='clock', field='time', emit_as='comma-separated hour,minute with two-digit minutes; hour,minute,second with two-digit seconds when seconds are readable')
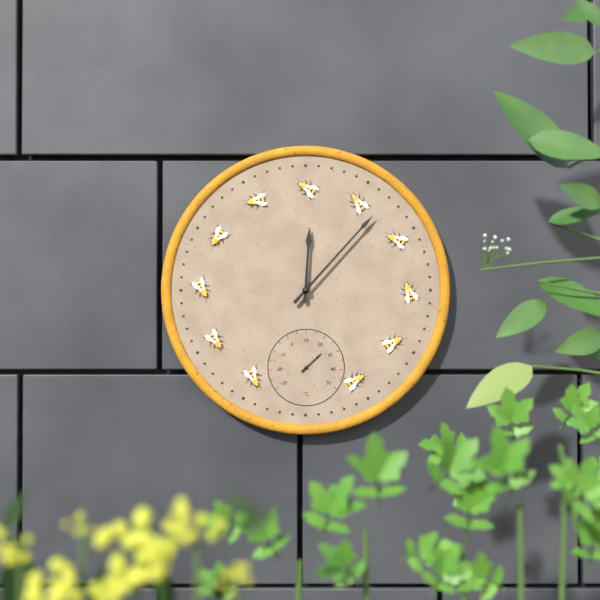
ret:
12,07
